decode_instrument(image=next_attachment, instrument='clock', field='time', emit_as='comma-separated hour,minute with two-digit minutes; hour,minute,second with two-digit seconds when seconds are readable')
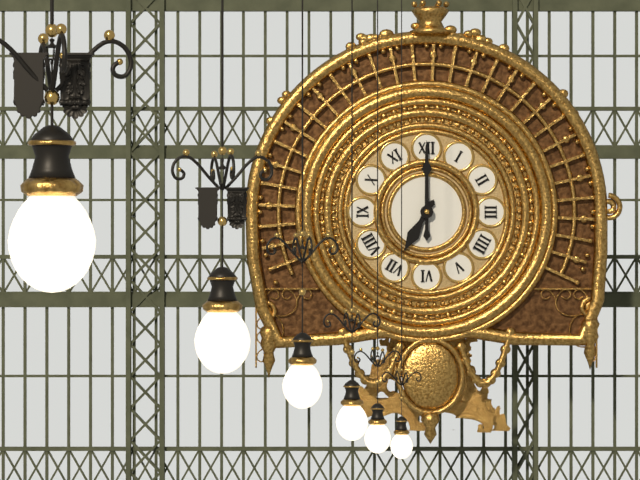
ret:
7,00
